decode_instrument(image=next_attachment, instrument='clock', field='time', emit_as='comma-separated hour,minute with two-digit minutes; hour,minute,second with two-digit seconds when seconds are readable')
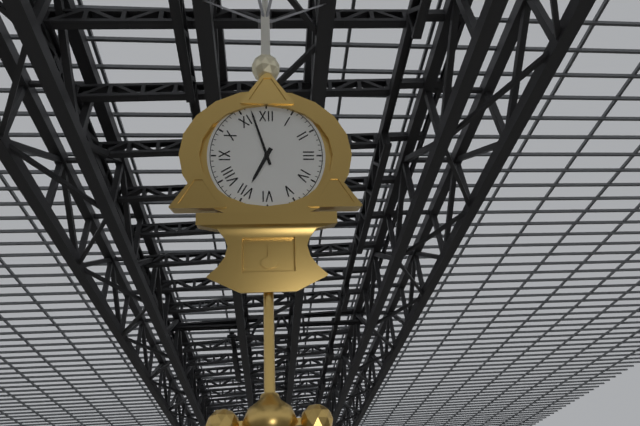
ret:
6,57
